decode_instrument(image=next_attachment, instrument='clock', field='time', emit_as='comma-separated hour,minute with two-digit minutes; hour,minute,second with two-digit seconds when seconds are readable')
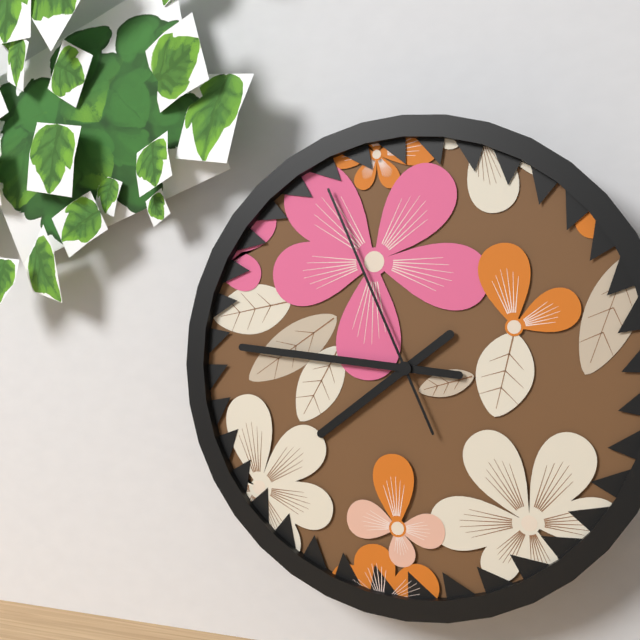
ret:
7,46,56
